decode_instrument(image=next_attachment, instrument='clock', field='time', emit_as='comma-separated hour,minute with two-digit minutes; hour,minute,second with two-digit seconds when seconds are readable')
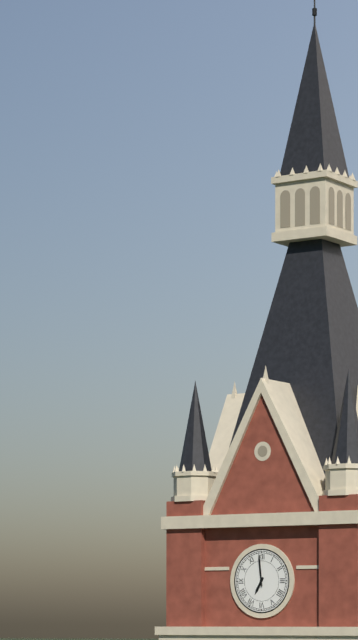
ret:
6,59
